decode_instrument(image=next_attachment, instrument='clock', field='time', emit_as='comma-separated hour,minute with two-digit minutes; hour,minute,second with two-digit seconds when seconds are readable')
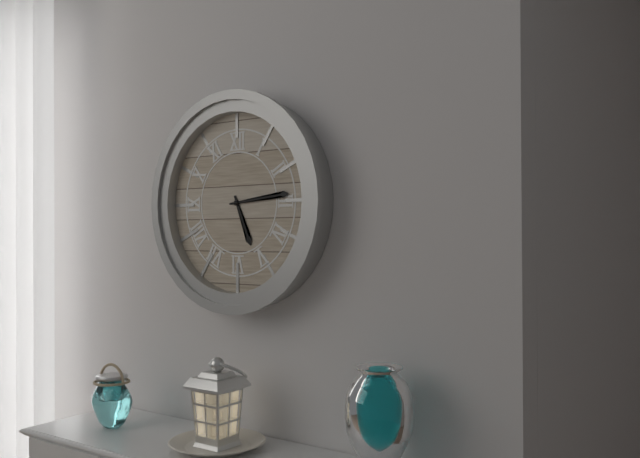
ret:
5,14
